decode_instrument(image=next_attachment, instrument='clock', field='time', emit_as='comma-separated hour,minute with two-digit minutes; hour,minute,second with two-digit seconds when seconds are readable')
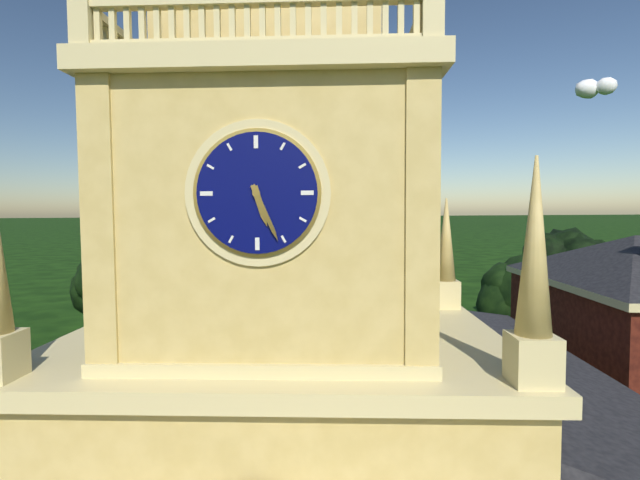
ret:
5,26
